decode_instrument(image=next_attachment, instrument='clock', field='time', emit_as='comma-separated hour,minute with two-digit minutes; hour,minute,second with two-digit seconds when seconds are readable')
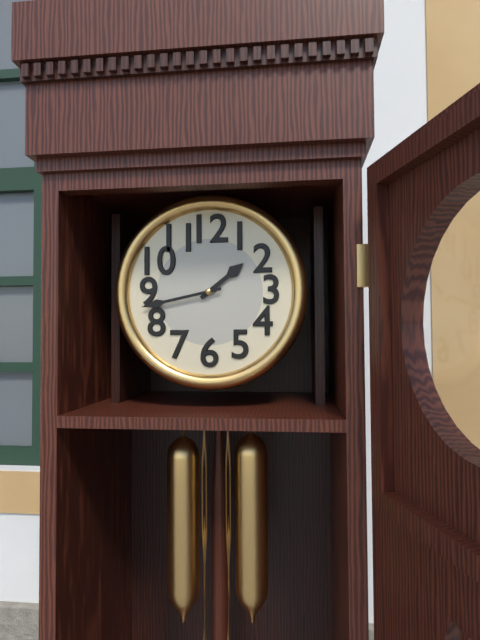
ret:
1,43
